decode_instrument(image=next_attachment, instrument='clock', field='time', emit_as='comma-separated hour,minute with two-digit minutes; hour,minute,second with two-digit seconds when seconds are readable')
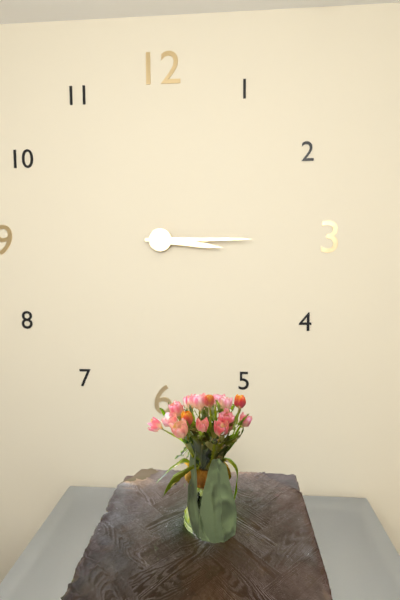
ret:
3,15
